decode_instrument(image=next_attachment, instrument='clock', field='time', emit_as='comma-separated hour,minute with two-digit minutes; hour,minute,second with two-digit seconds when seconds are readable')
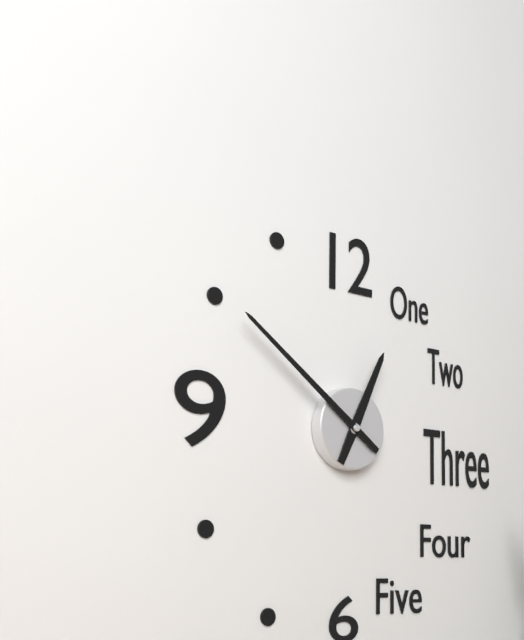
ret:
12,51
